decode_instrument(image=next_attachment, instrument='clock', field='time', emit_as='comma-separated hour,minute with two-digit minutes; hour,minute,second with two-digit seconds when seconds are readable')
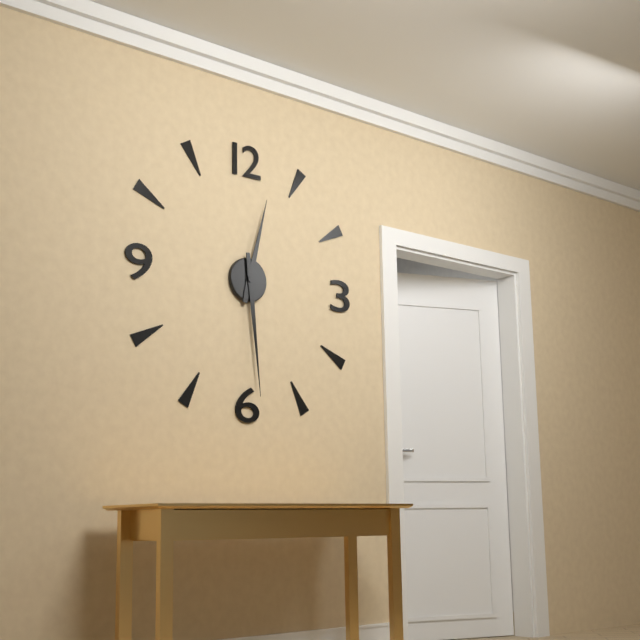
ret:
12,29
